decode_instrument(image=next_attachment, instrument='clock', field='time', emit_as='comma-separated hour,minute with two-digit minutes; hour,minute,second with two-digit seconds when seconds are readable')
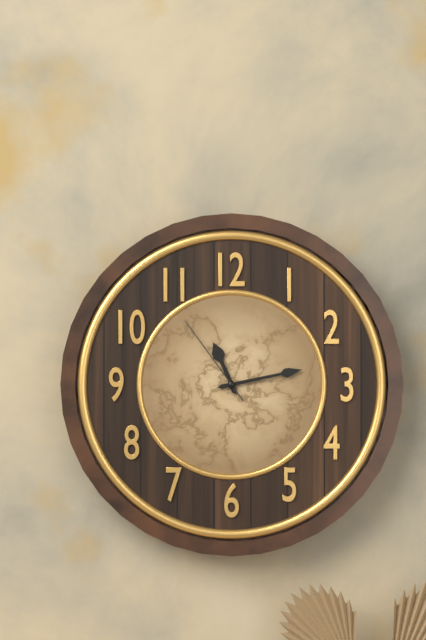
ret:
11,13,54
